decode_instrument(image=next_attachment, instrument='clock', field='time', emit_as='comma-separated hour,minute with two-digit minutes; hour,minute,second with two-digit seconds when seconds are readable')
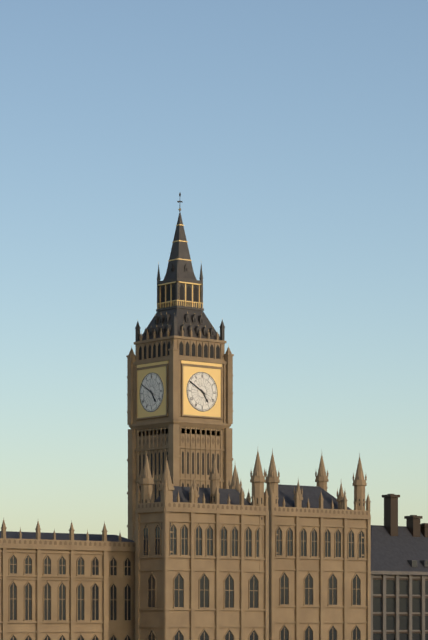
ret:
4,50
